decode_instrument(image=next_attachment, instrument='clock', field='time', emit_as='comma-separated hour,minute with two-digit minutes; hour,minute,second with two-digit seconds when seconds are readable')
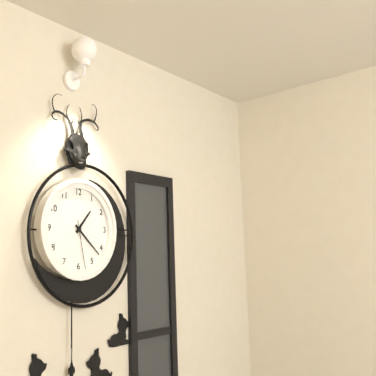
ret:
1,22,28
